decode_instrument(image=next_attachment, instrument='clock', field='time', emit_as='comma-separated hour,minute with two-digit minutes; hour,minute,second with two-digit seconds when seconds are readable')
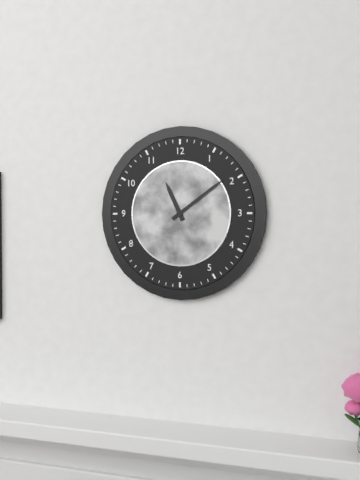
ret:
11,09
